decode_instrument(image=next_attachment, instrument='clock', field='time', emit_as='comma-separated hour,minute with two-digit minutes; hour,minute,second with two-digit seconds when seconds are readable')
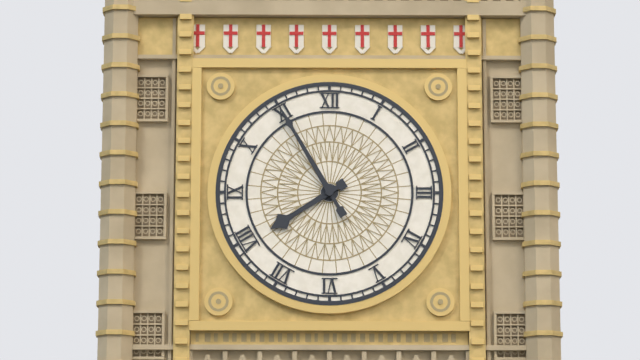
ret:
7,55
